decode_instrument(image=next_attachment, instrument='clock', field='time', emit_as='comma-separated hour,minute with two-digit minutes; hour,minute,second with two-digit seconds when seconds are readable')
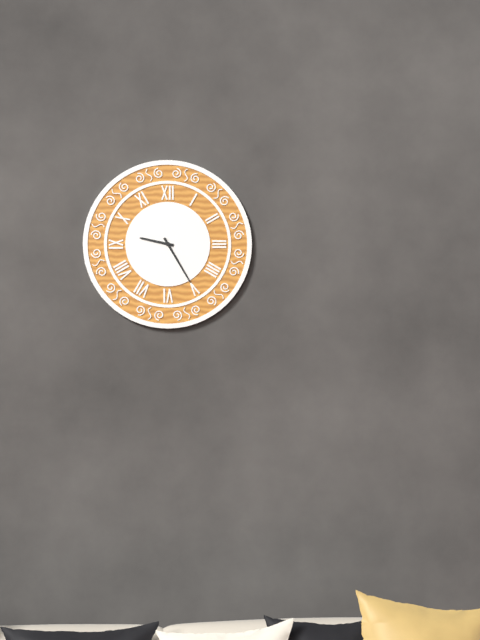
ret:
9,25
